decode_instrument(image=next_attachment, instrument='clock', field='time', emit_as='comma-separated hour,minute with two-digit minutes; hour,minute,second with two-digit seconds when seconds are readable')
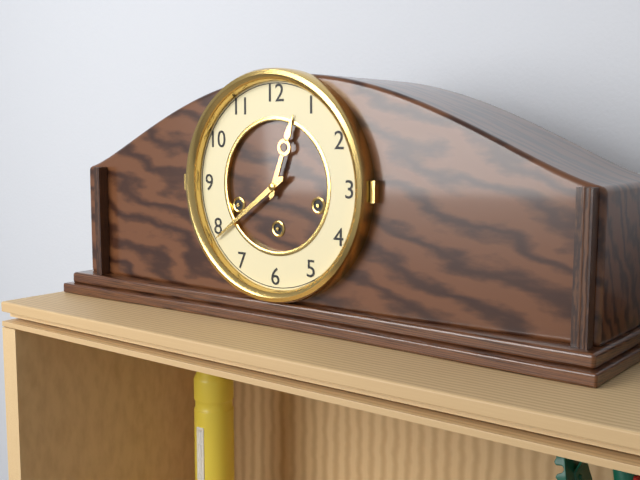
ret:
12,39
